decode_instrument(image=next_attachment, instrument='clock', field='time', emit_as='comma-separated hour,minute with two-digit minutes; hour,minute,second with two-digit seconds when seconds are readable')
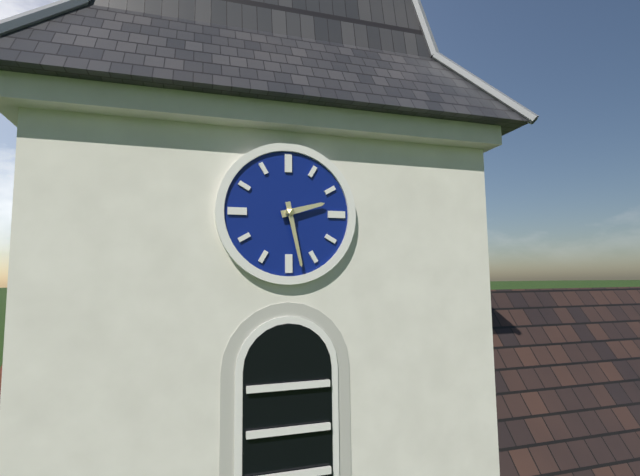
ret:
2,28
